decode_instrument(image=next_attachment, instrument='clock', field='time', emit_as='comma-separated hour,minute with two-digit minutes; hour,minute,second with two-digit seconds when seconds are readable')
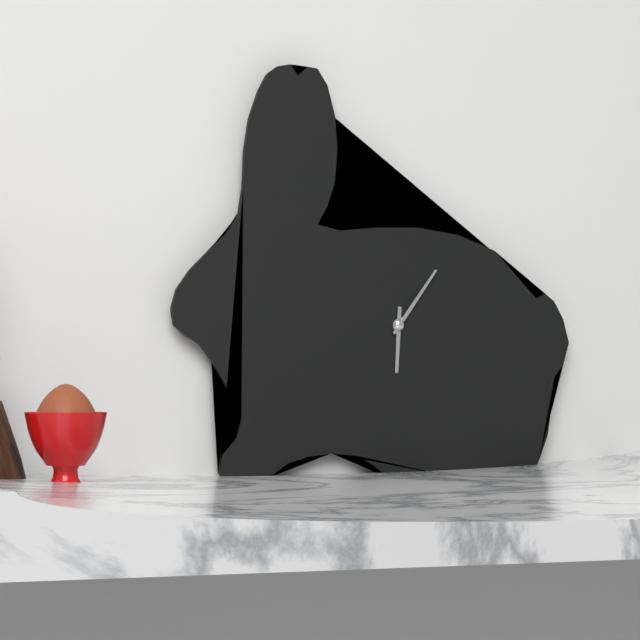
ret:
6,06
